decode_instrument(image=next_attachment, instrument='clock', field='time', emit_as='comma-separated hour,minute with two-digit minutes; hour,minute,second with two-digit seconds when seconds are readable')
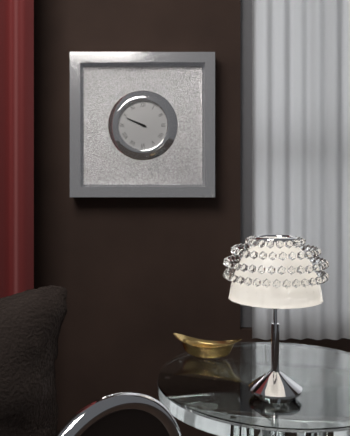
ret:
9,49
